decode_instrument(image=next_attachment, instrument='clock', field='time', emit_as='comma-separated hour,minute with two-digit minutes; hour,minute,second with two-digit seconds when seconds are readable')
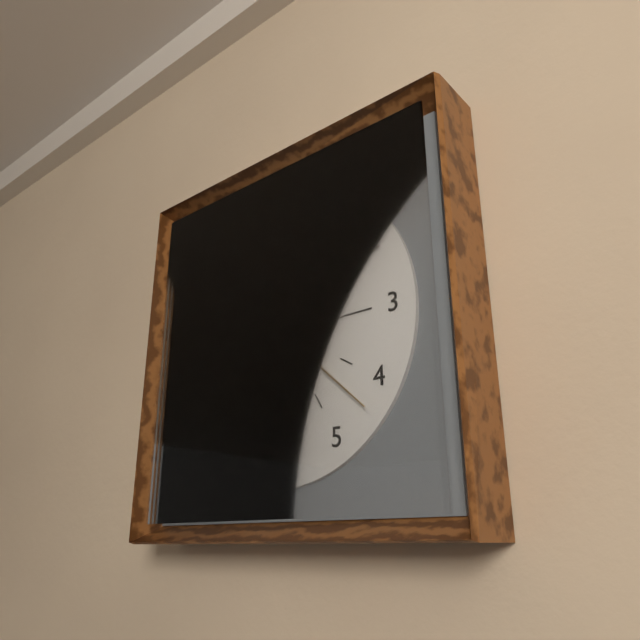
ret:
8,00,22
